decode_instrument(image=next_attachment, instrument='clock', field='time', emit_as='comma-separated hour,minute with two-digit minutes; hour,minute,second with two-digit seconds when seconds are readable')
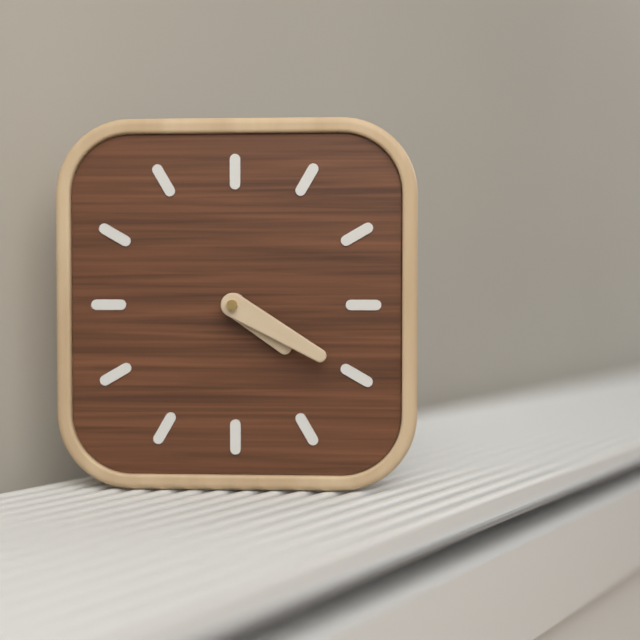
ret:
4,20
